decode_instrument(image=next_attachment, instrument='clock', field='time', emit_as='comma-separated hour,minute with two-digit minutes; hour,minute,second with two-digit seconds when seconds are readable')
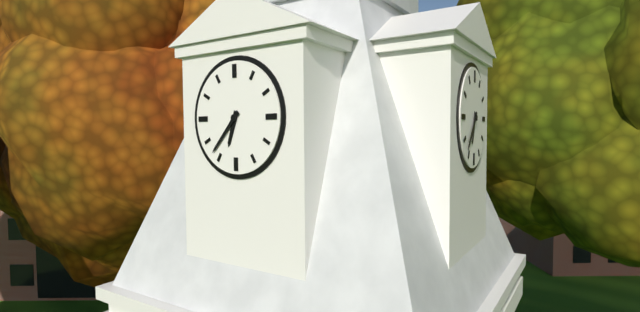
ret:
6,37
